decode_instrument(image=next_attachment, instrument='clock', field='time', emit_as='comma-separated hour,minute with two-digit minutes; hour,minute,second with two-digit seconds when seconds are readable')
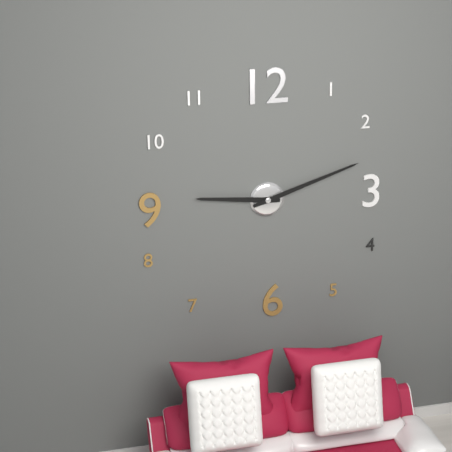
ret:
9,12
